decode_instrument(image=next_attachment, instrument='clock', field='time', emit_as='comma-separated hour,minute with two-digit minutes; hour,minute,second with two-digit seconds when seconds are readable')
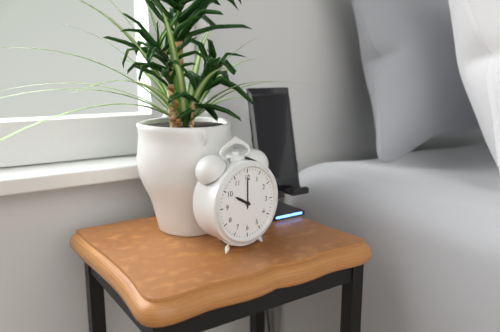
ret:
10,00
